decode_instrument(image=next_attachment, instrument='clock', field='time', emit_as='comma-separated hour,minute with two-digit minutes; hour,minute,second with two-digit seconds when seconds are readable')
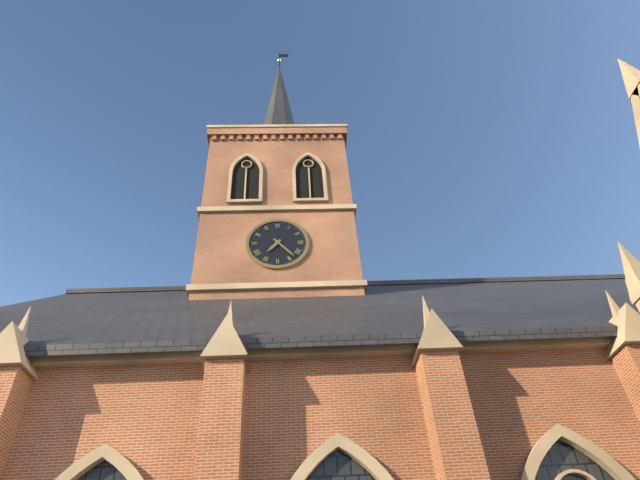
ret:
7,23
